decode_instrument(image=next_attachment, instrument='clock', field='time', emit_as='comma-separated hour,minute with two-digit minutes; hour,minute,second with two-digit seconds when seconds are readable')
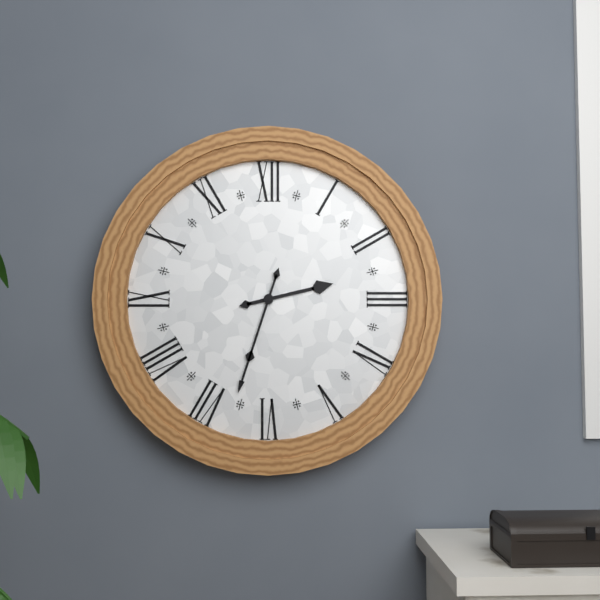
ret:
2,33
